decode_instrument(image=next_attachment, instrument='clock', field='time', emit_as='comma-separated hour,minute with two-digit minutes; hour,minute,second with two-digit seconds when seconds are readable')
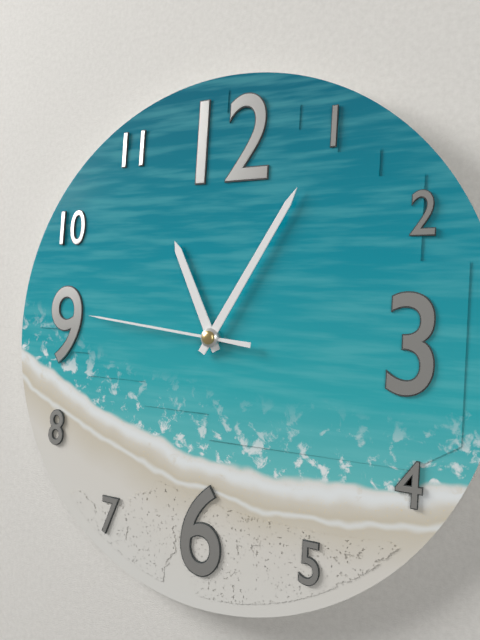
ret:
11,05,46
